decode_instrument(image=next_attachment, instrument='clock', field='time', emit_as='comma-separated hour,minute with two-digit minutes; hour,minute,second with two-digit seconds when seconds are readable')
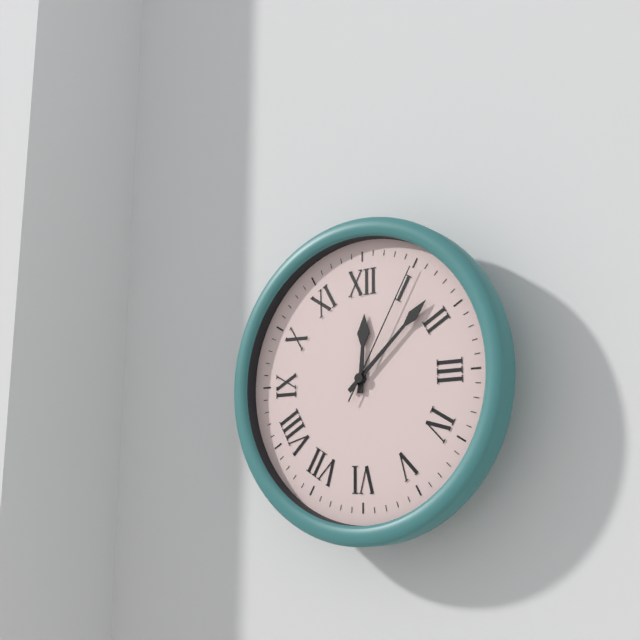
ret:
12,08,05
